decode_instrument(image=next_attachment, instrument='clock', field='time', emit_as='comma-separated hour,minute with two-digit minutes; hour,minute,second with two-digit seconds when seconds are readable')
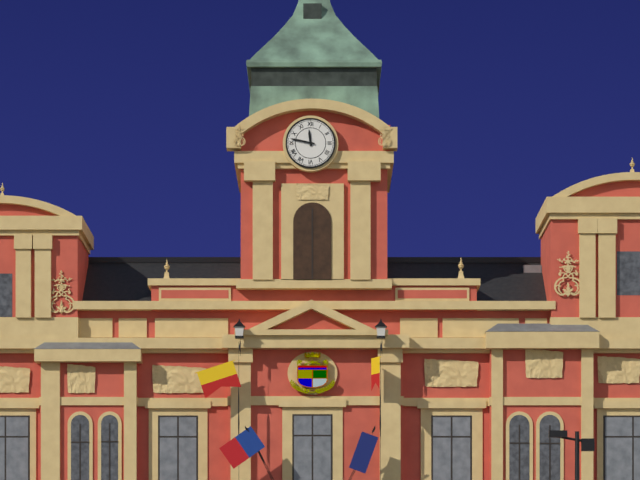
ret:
11,47
